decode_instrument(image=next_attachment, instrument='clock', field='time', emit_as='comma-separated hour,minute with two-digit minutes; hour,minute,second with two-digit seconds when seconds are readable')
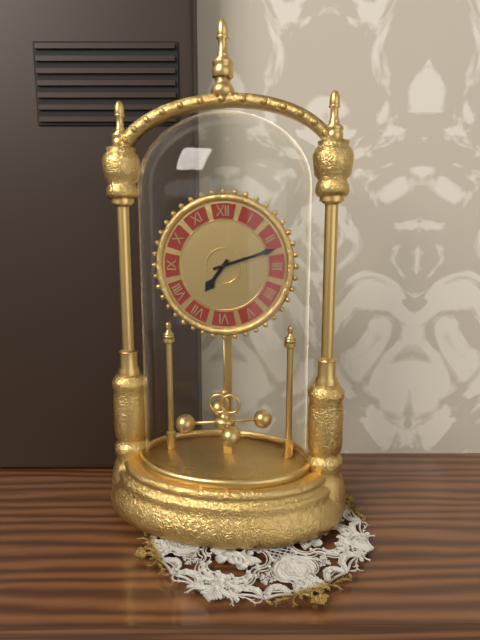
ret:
7,12
